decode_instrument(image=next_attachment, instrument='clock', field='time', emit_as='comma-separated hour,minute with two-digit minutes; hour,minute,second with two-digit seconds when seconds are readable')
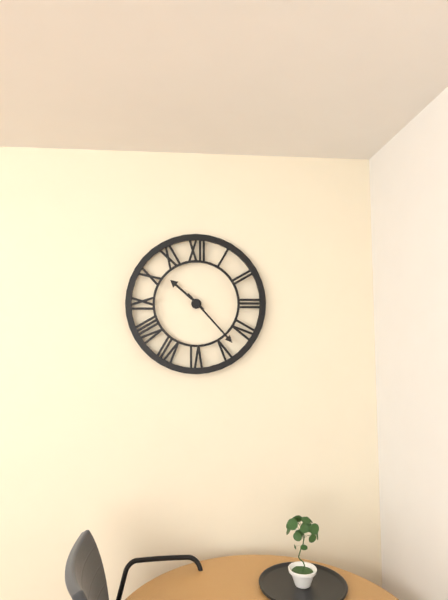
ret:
10,23
